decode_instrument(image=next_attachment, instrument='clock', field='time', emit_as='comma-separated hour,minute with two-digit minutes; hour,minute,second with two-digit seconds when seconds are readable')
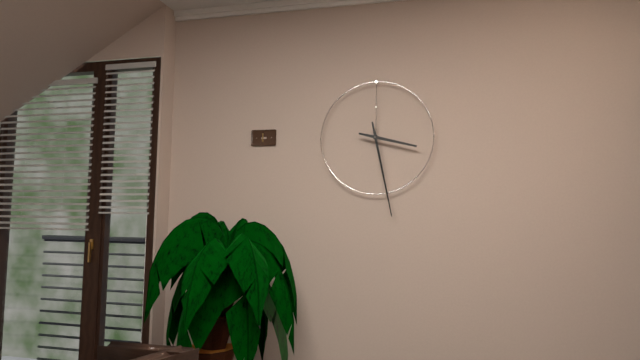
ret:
3,28
